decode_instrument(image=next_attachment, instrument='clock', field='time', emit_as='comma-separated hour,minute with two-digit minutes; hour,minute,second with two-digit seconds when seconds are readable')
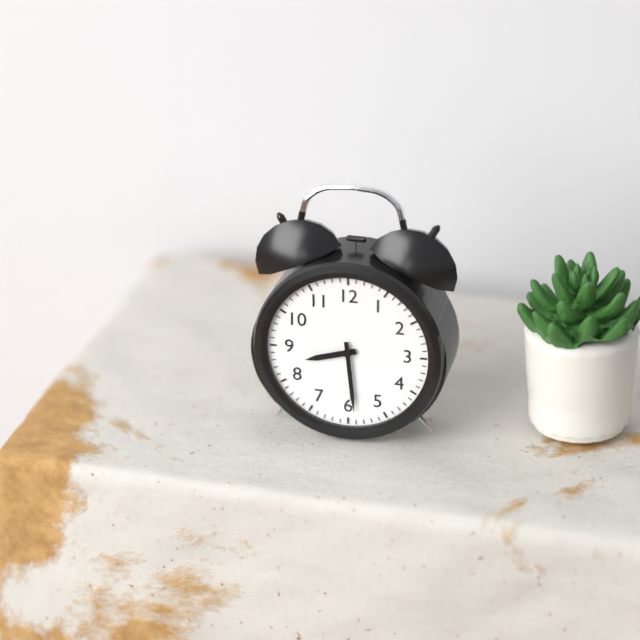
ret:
8,29
